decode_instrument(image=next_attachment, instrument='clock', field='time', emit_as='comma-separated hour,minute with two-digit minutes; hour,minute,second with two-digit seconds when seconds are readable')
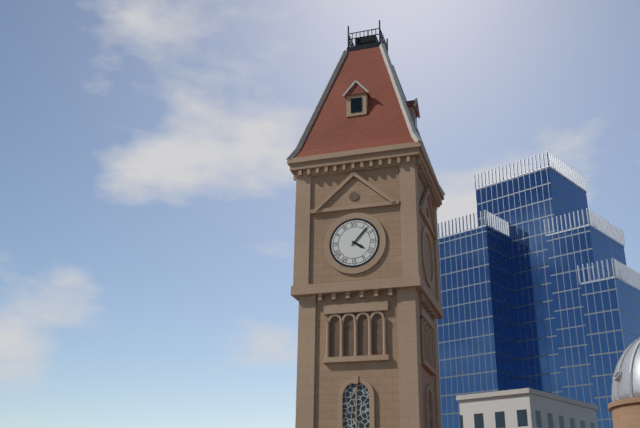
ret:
4,07
